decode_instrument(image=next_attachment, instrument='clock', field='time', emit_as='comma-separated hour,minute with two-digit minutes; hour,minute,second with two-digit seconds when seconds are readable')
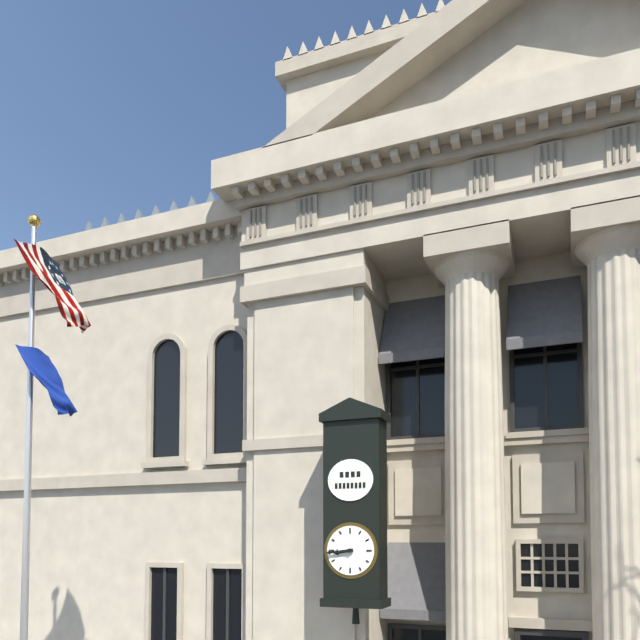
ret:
8,44
